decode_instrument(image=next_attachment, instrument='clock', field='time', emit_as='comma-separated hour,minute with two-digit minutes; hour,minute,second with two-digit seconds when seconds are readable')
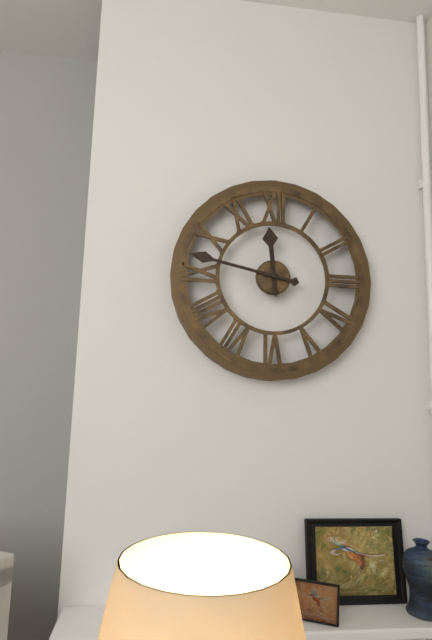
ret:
11,47
